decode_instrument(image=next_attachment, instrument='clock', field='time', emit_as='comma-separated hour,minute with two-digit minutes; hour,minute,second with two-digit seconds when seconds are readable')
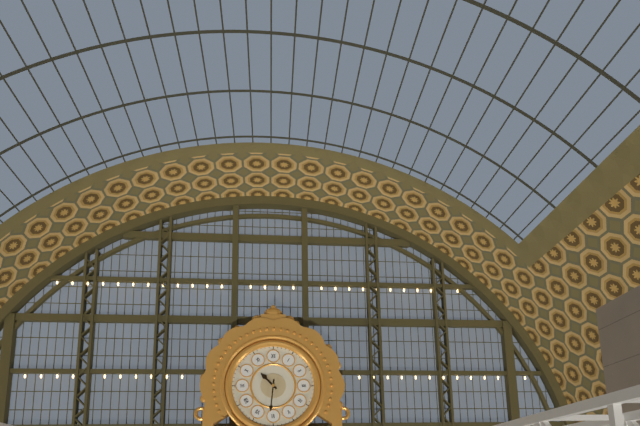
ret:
10,31
